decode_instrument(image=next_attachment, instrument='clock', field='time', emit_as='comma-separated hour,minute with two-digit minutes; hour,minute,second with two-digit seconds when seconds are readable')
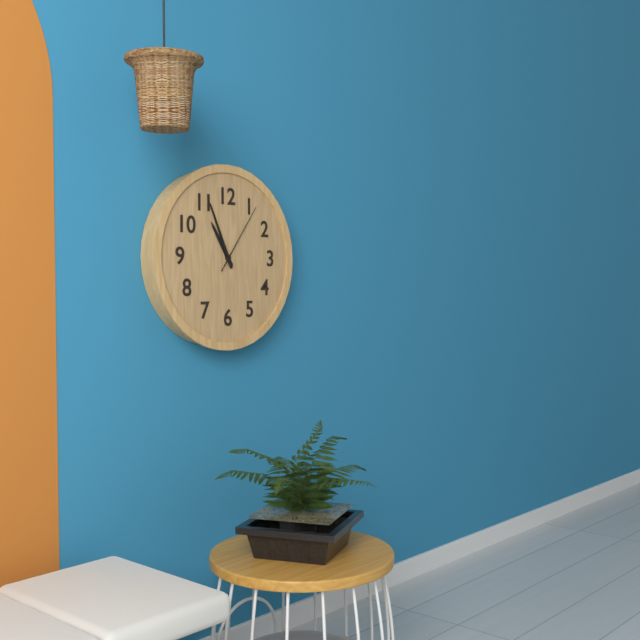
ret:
10,56,06
